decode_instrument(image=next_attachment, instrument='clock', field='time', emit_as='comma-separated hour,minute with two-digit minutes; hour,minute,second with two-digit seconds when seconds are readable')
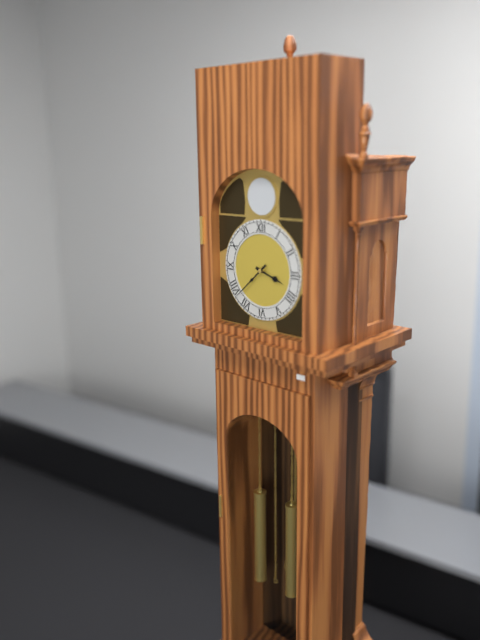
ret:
3,38
